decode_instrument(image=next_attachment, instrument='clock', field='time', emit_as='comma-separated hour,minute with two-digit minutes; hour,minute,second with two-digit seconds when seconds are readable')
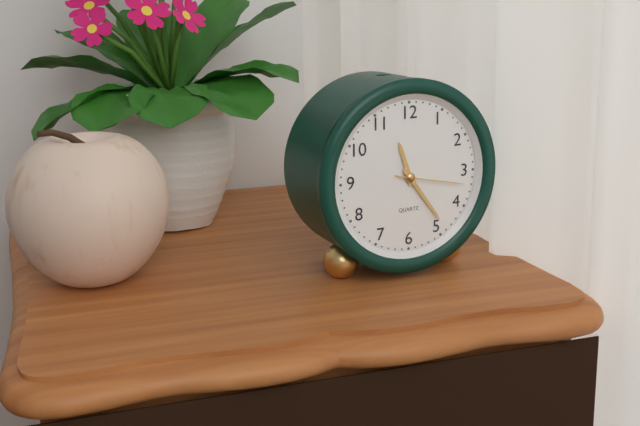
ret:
11,24,17
